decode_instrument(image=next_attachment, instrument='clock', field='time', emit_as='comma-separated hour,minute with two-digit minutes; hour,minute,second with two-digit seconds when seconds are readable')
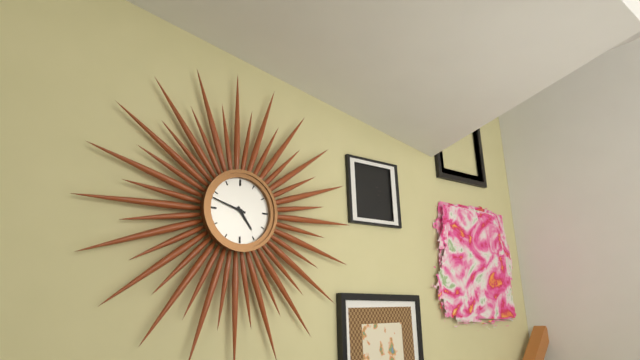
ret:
4,48
